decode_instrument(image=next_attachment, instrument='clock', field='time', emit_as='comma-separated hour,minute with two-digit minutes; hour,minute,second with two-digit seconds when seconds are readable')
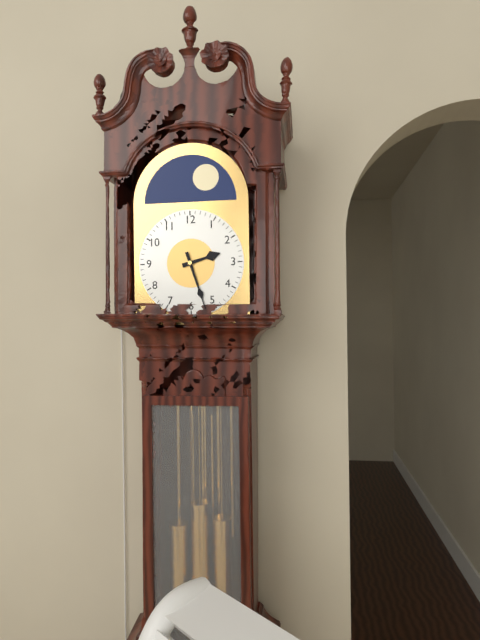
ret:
2,27
